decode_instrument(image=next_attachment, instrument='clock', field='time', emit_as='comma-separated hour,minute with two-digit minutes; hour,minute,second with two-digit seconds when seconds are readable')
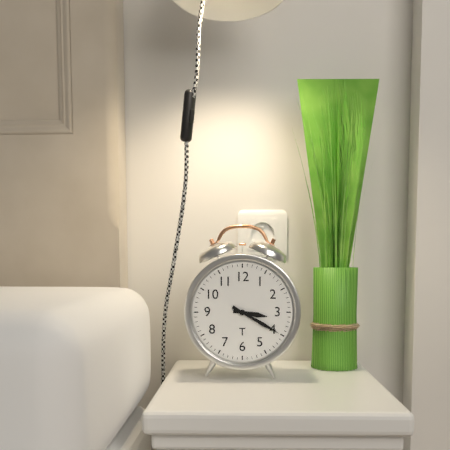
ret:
3,20
